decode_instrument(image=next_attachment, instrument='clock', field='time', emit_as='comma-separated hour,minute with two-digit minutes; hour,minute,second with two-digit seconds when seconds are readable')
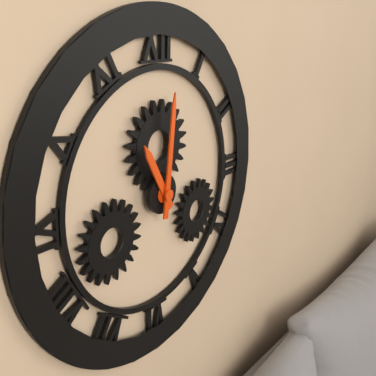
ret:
11,01
